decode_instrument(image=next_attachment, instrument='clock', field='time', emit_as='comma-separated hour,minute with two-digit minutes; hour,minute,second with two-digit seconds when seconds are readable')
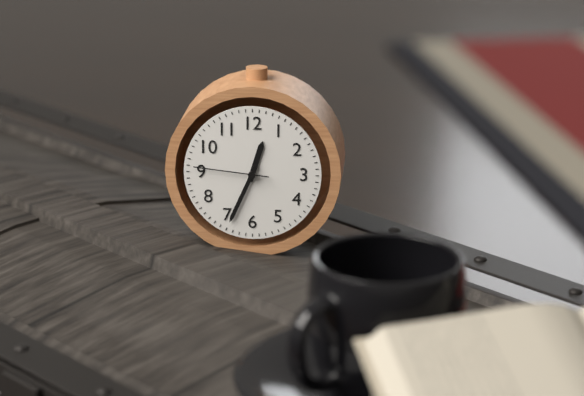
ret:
12,34,46
